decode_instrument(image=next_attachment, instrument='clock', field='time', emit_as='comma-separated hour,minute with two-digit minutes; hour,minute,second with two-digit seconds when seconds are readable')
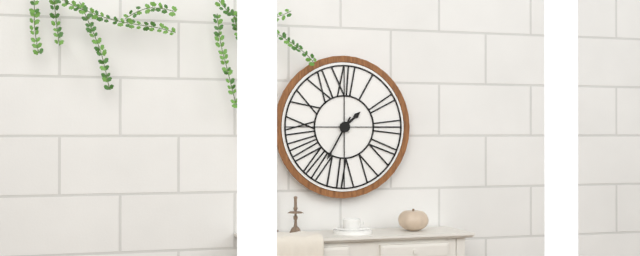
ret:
1,35
